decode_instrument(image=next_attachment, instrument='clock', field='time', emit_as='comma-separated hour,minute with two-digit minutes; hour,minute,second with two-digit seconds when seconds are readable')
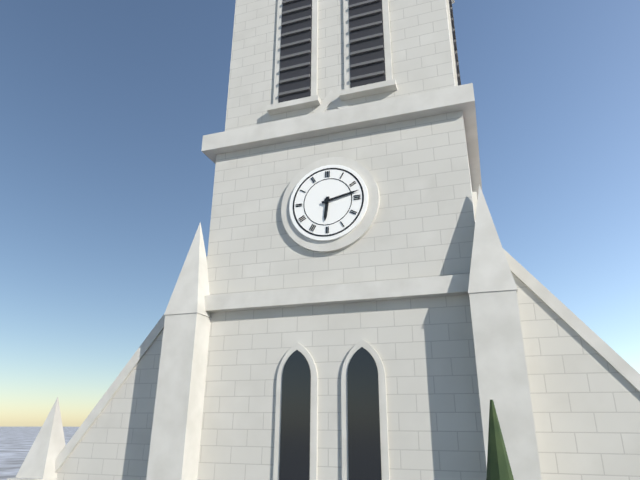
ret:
6,13
